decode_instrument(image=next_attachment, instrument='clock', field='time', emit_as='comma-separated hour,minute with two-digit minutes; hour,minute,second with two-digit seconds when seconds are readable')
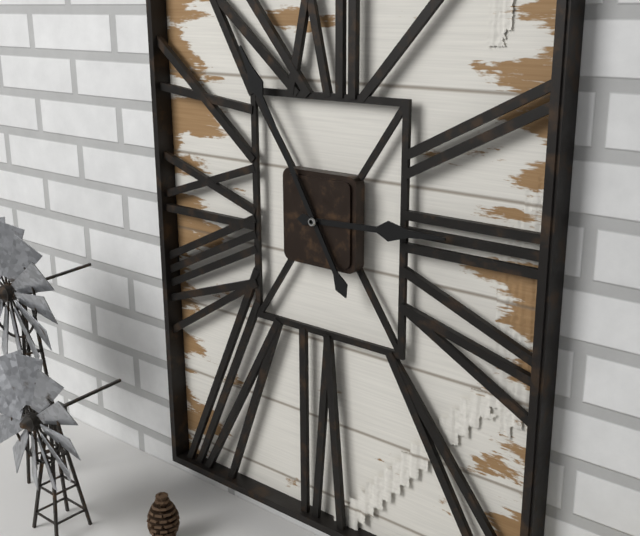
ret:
2,55
